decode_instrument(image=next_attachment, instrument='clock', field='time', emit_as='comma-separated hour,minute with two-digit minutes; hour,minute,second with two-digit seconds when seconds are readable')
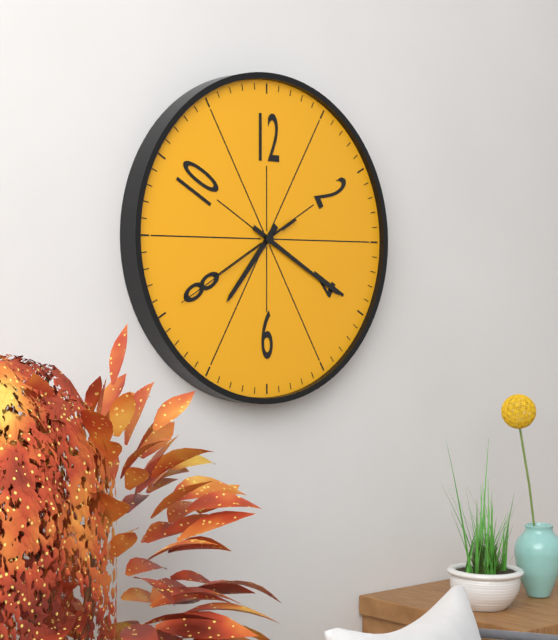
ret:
7,20,40
